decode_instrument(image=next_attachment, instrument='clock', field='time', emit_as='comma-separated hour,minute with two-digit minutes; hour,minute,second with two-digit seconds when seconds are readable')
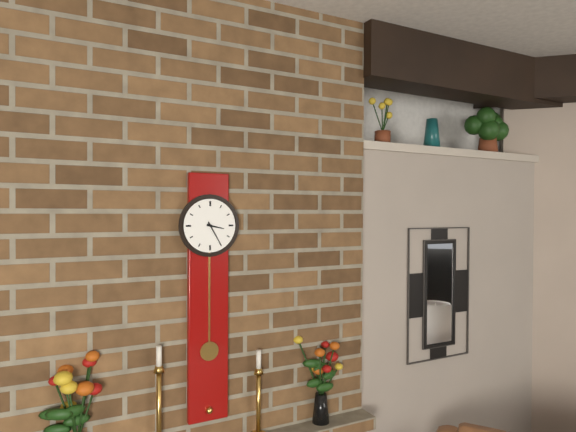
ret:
3,25
